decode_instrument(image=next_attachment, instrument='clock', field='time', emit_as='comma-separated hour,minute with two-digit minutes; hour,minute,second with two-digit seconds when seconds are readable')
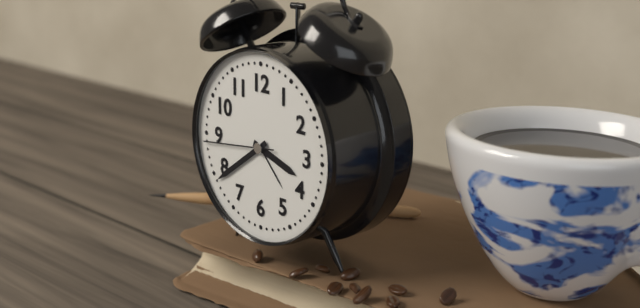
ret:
3,39,44
